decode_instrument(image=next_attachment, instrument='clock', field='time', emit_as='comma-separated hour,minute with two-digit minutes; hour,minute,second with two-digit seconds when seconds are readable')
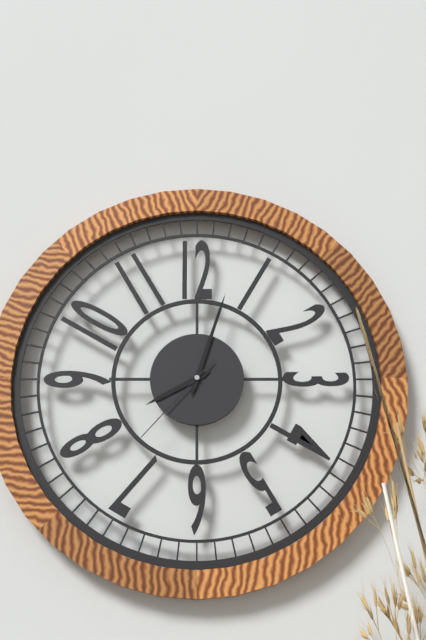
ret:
8,03,37
